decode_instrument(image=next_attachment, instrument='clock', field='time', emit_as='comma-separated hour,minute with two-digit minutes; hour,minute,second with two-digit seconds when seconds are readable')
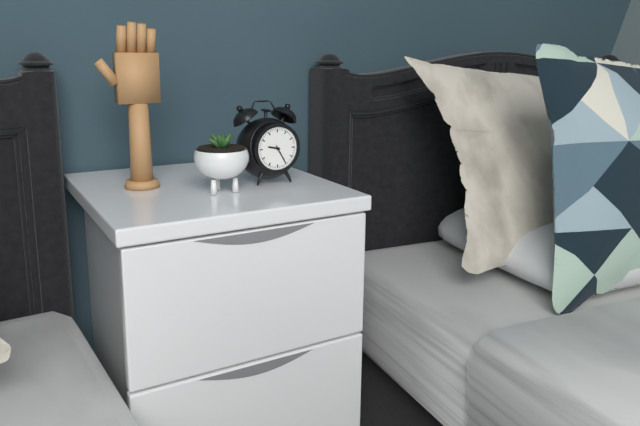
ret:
9,25
